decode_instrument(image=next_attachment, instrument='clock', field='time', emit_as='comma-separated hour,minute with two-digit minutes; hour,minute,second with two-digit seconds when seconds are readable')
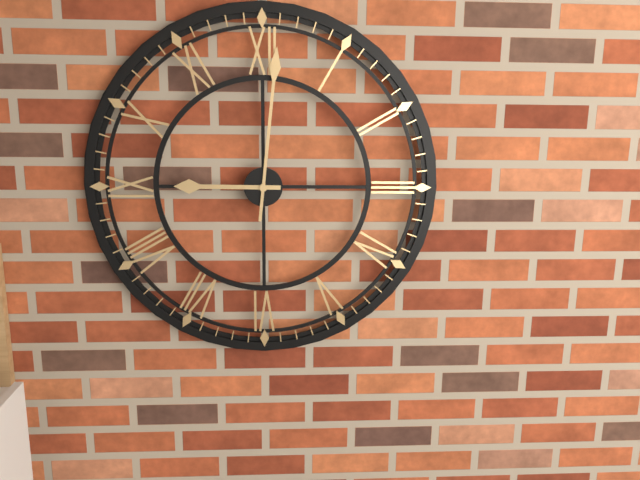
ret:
9,01
